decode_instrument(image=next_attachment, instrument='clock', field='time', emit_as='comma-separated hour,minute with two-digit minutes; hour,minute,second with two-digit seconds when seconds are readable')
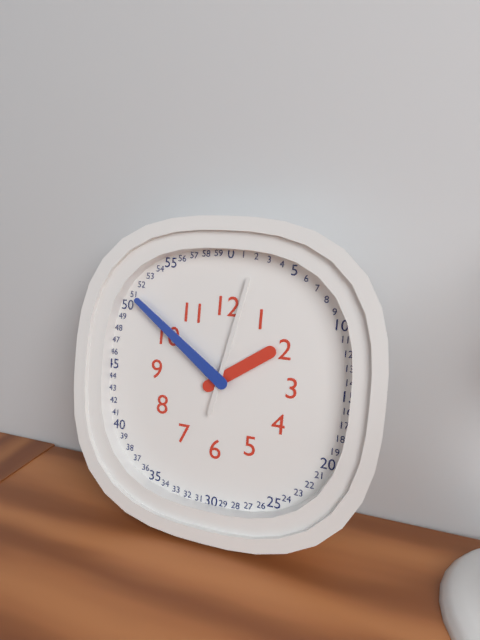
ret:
1,51,02
